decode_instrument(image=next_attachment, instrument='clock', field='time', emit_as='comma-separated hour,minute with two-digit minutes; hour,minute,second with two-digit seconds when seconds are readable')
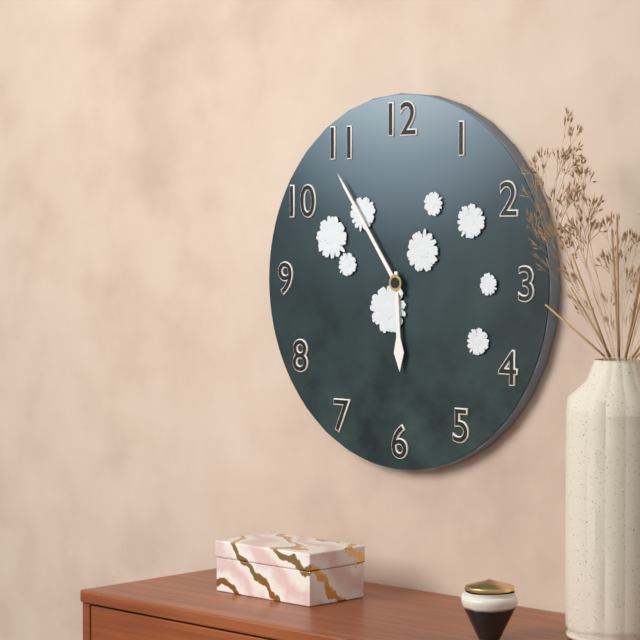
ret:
5,54
